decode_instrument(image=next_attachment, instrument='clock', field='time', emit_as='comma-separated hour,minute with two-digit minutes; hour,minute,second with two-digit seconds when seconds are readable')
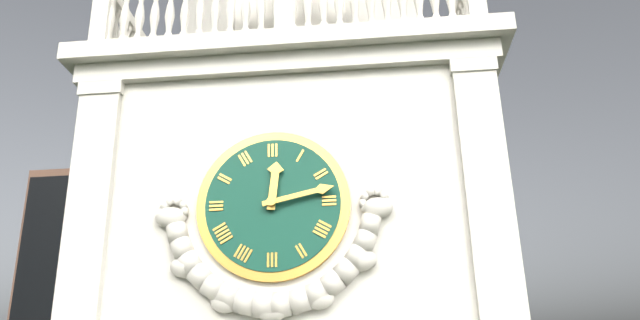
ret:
12,13
